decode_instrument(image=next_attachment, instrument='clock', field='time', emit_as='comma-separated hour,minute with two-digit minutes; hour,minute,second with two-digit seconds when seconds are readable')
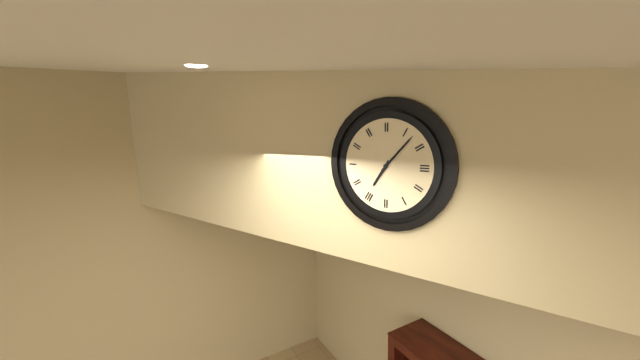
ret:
7,07
